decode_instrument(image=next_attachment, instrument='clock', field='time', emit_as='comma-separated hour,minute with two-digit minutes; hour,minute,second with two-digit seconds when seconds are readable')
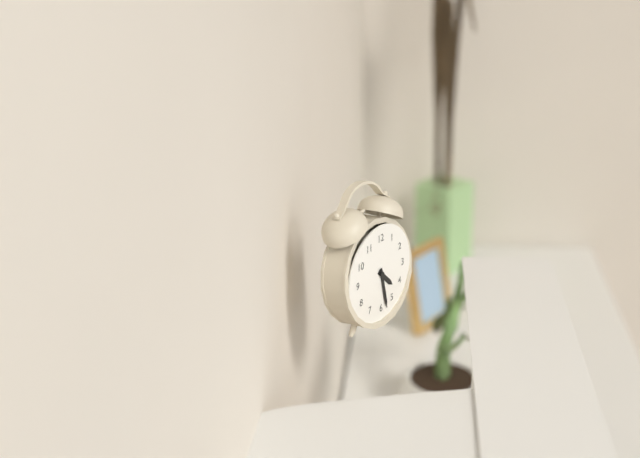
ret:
4,28
